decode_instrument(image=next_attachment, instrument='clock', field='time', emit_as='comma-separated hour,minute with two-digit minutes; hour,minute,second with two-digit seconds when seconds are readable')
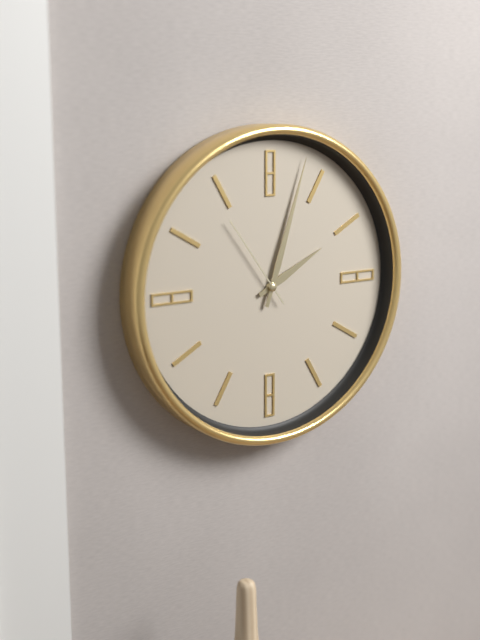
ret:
2,03,54
